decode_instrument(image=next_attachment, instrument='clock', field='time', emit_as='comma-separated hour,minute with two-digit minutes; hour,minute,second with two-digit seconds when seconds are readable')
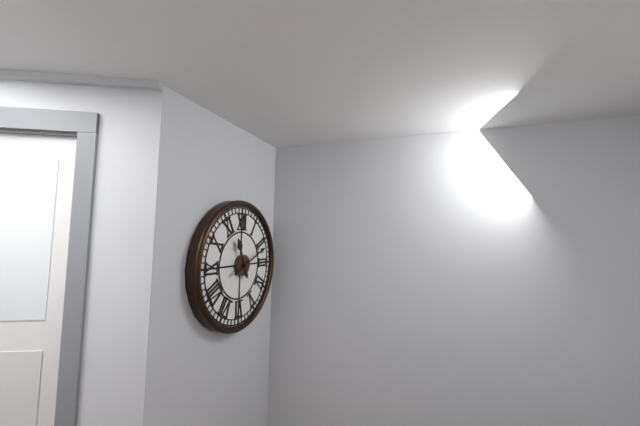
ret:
11,11
